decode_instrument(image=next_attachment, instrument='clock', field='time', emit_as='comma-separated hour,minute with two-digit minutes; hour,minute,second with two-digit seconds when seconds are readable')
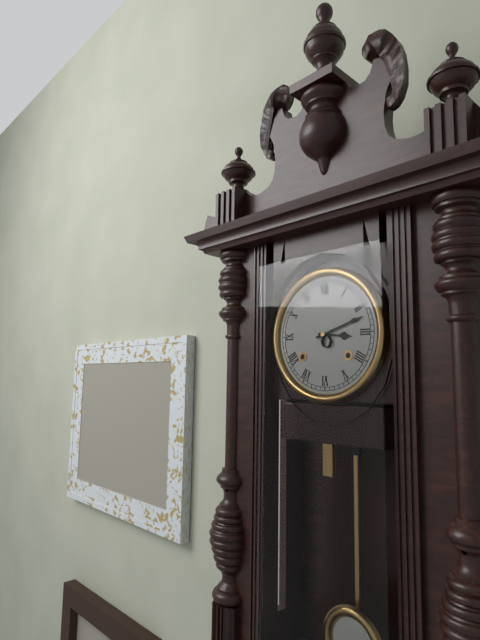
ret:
3,12
